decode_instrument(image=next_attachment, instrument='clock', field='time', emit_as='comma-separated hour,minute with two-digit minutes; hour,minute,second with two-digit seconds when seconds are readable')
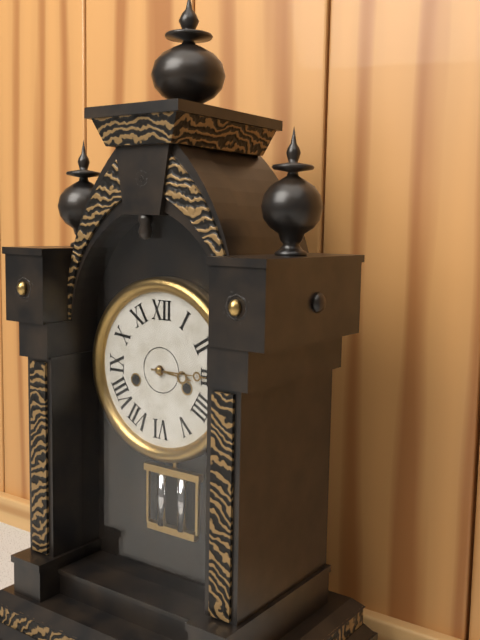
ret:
3,15
